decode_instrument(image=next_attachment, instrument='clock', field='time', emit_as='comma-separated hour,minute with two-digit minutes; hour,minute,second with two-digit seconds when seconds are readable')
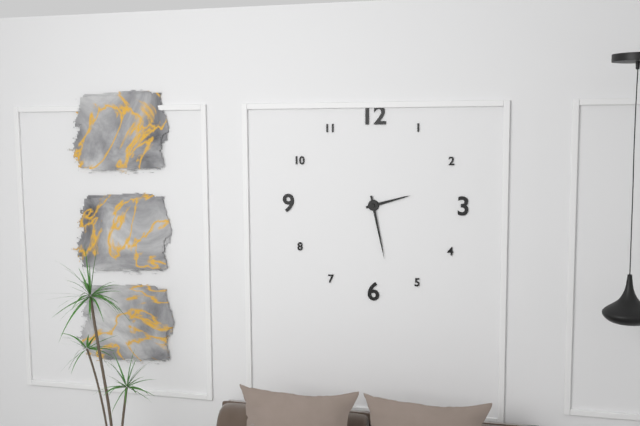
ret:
2,28
